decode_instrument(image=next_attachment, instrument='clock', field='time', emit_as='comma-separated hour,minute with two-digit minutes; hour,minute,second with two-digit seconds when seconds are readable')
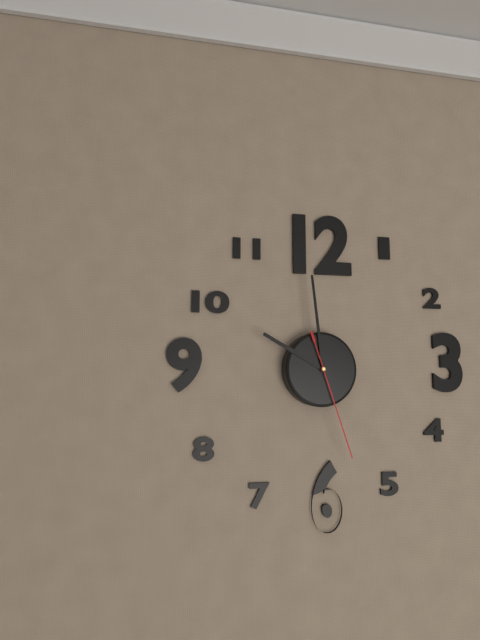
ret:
9,59,27
